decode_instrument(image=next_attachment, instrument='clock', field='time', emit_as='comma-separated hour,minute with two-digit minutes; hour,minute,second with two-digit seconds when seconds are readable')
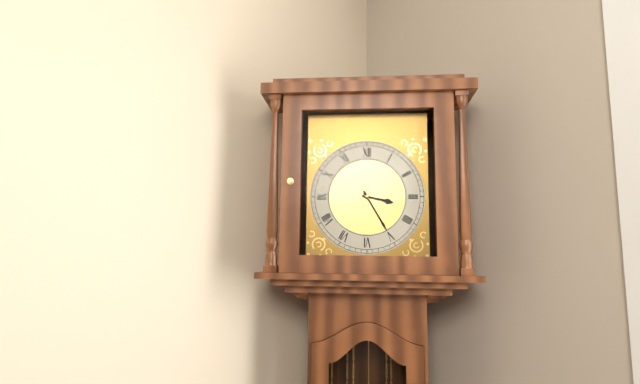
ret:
3,25
